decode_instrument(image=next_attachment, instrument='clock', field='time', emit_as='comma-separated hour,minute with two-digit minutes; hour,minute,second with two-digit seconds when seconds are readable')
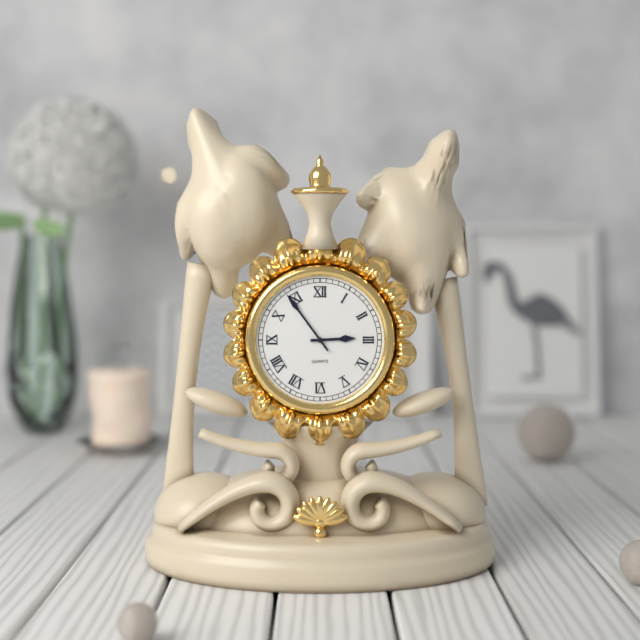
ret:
2,54
